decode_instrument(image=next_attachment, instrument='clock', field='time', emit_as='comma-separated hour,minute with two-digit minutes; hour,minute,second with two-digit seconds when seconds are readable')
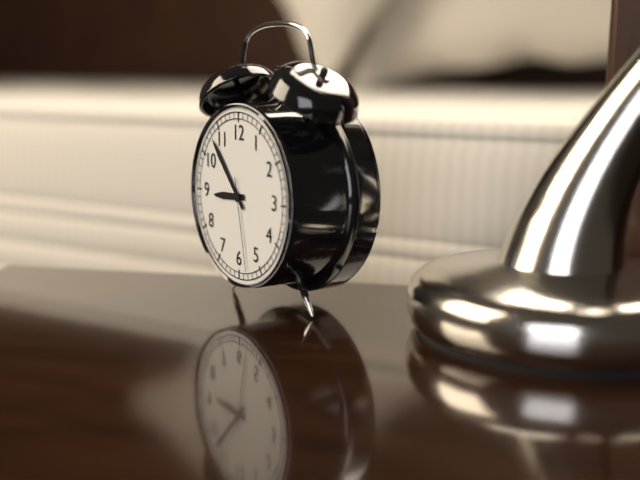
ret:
8,53,28
